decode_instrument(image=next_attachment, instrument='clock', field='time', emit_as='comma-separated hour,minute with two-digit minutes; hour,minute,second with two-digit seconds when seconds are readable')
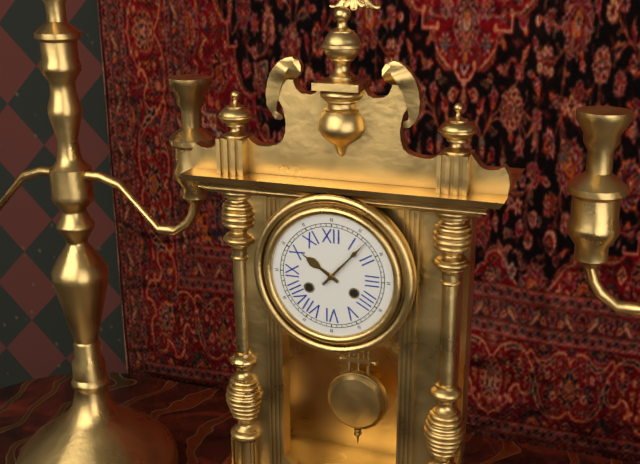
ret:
10,07
